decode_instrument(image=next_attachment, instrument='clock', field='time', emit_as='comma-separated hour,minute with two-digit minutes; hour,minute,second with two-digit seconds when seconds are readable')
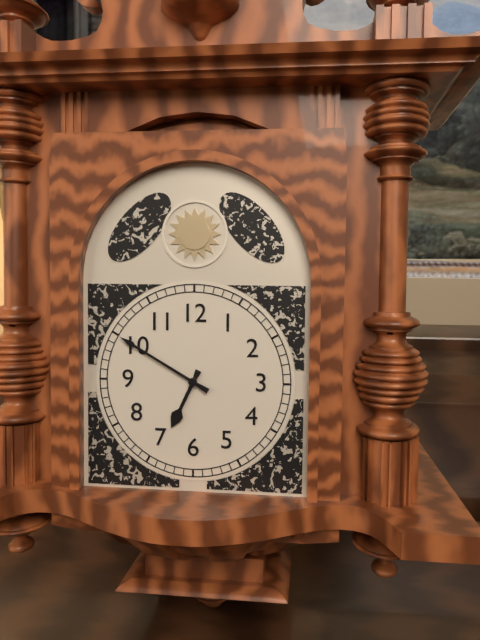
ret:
6,50
